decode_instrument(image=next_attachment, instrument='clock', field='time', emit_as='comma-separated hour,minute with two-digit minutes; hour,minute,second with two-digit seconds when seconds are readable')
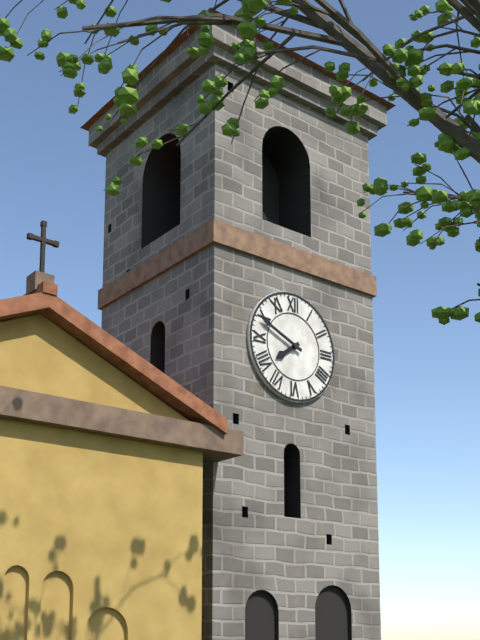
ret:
7,49
